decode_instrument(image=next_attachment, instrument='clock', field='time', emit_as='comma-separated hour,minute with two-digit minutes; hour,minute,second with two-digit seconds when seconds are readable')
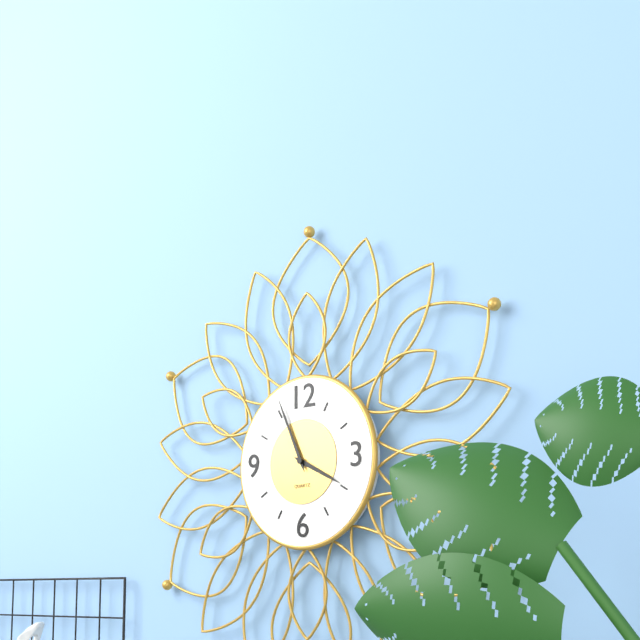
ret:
3,56
